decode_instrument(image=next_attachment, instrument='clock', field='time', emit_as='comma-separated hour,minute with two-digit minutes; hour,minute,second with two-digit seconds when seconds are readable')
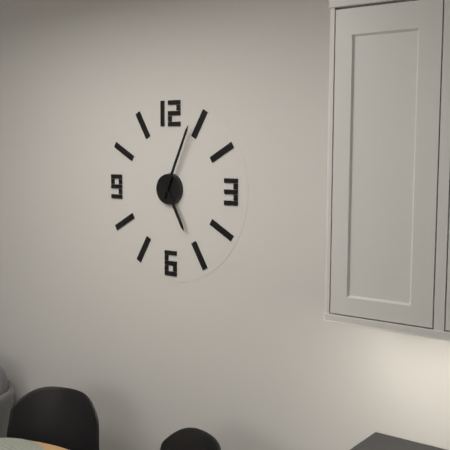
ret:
5,04
